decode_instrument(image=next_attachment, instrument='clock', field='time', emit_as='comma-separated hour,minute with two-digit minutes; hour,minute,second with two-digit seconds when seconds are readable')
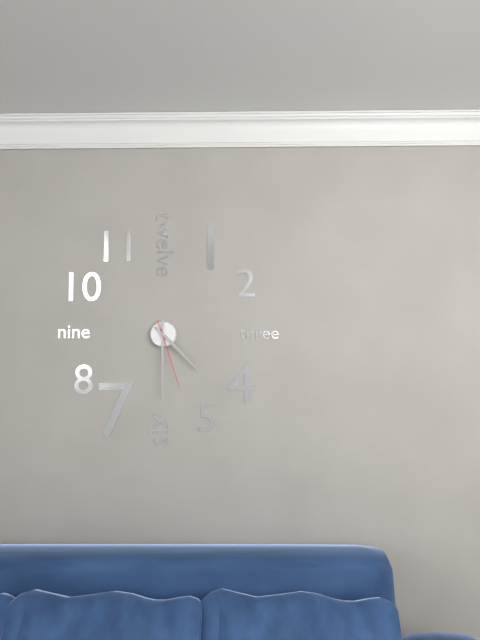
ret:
4,30,27
